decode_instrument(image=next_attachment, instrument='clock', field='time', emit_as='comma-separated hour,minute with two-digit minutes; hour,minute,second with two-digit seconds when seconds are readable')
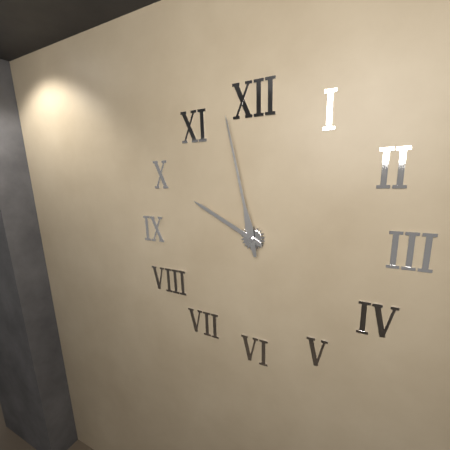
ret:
9,58
